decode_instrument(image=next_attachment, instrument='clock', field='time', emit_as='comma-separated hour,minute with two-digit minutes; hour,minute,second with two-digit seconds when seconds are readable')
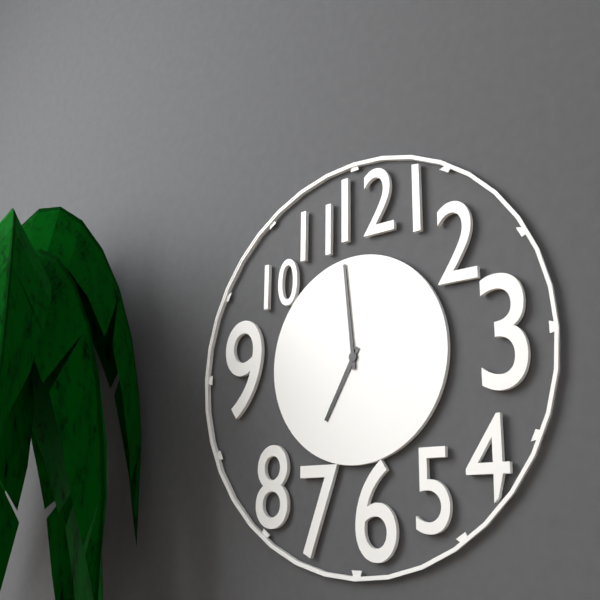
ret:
6,59
